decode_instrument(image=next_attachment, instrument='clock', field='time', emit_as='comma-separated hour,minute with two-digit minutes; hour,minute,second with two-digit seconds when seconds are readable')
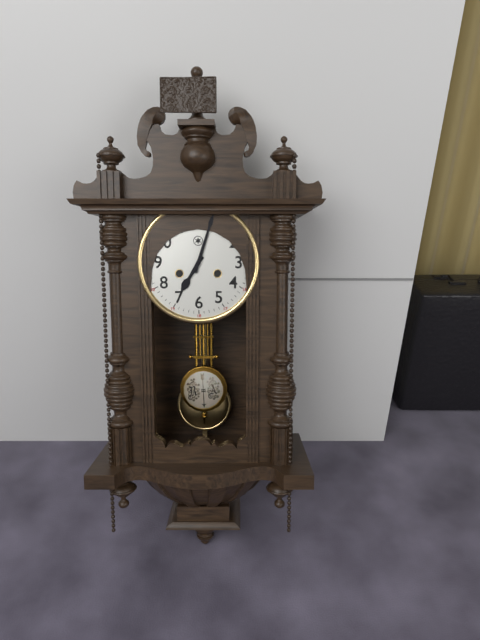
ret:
7,03
